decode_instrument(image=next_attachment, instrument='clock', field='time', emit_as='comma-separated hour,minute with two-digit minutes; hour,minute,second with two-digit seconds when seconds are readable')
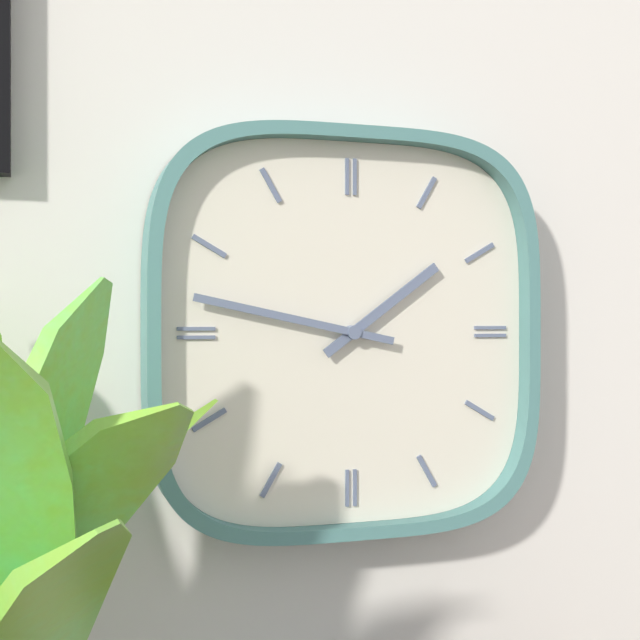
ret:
1,47
